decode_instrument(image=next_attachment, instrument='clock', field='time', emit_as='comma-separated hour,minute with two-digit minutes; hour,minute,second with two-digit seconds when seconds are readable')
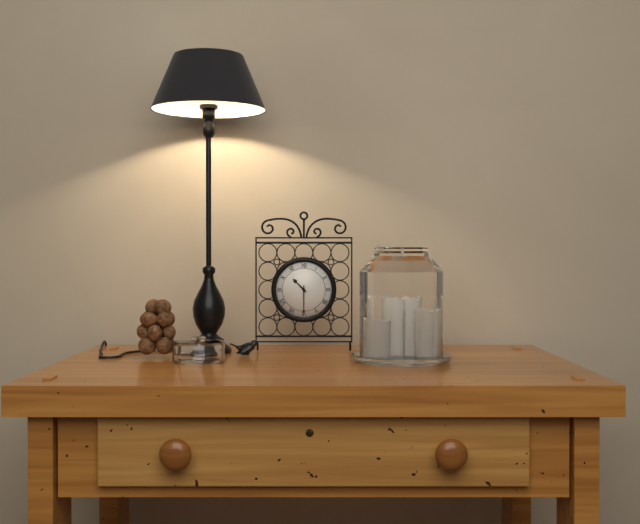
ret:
10,30
